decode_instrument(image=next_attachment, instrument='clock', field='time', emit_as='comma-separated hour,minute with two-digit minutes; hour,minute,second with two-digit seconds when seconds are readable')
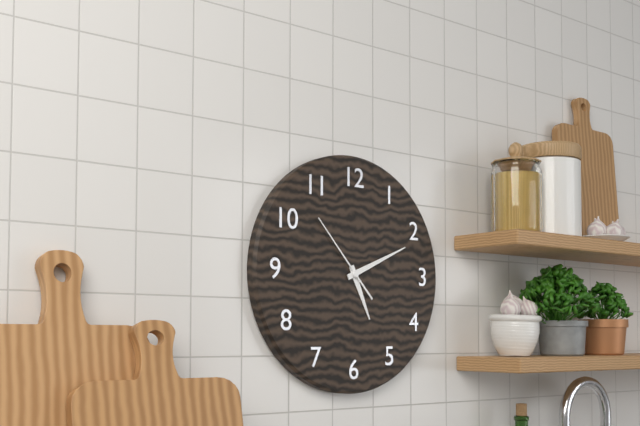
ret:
5,11,53
